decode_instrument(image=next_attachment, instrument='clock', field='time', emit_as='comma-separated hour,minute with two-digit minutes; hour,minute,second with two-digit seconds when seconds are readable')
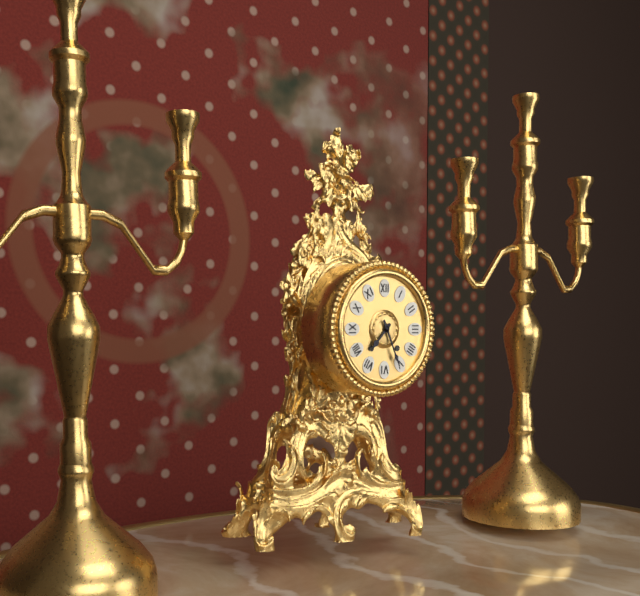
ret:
7,26
